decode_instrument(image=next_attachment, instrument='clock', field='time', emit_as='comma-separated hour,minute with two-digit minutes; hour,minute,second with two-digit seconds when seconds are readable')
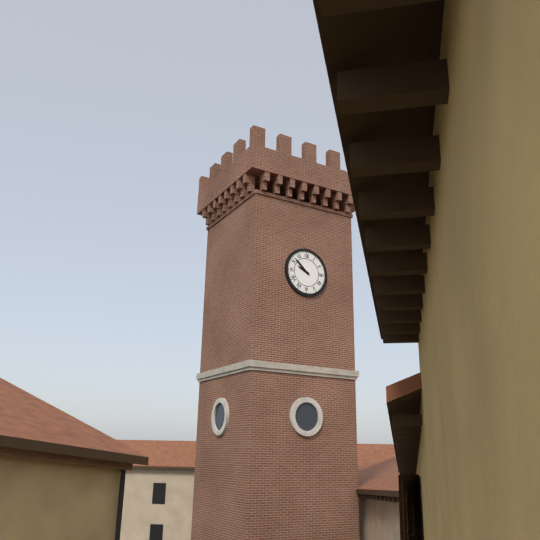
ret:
9,52
